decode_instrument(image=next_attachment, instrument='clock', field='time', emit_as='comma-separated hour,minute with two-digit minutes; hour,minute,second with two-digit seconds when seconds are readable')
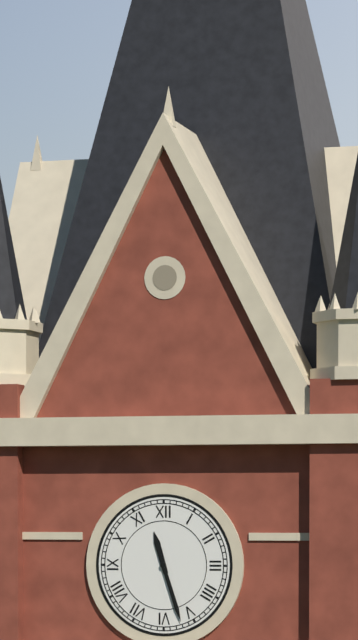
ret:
11,27
